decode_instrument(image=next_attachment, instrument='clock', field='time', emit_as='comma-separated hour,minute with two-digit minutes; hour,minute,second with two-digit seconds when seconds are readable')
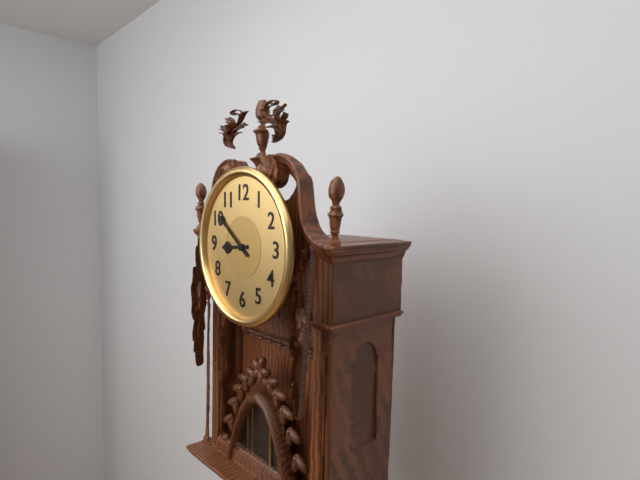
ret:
8,51
